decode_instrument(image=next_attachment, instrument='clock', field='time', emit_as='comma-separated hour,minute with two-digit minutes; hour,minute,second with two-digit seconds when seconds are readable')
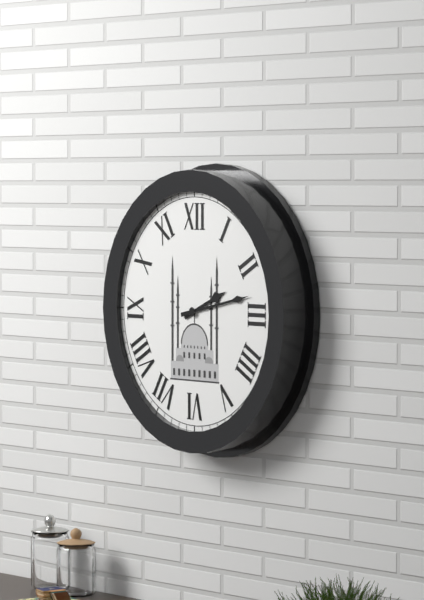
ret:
2,13
